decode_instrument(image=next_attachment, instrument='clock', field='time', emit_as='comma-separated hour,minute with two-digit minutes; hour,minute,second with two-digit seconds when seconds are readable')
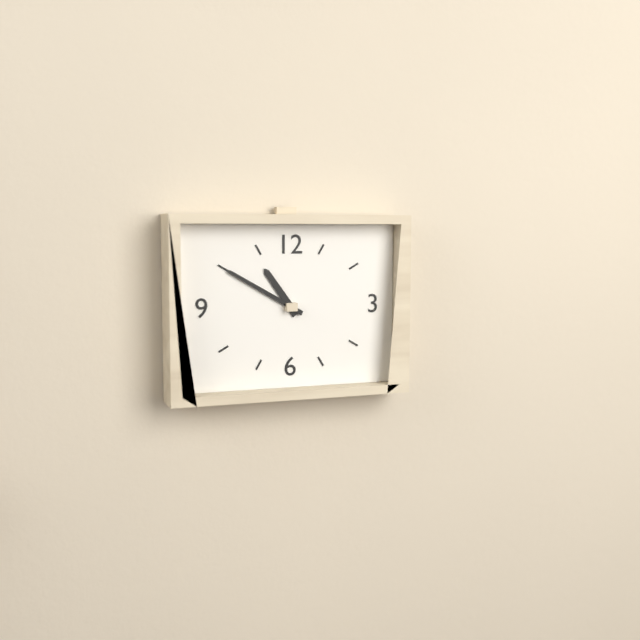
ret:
10,50
